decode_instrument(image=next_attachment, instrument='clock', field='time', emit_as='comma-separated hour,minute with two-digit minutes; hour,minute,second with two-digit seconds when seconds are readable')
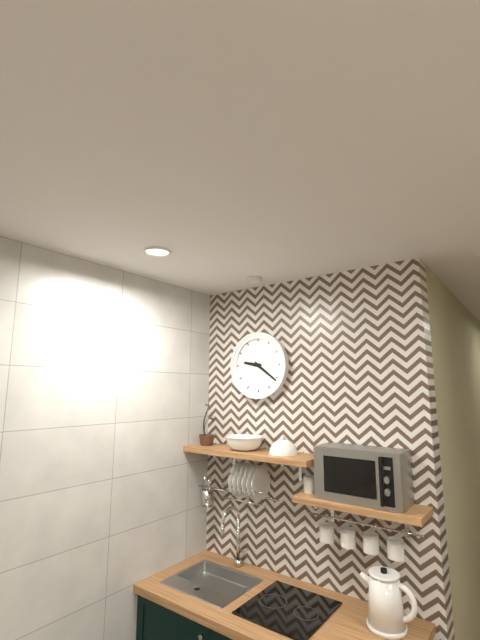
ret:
9,21
